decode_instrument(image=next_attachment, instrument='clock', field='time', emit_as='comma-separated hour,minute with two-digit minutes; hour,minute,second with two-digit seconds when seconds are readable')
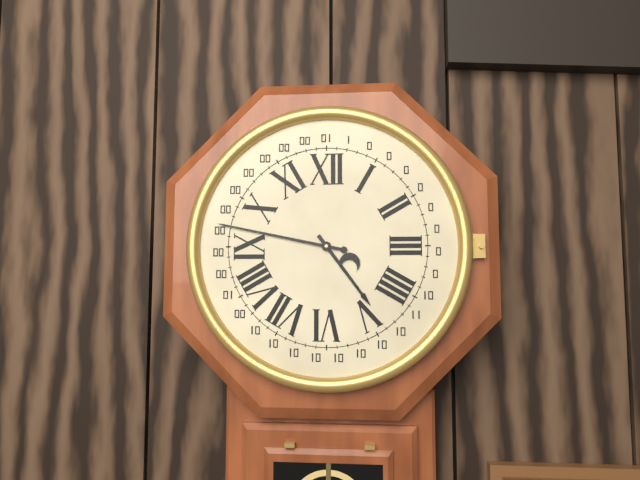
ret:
4,47
